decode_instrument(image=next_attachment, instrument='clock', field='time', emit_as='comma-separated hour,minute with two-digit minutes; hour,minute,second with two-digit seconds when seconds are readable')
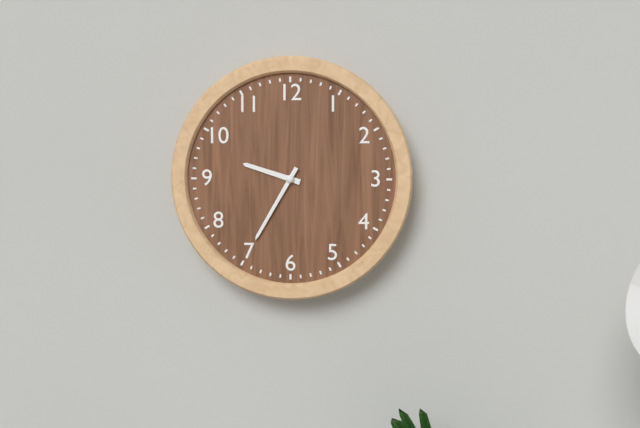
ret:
9,35
